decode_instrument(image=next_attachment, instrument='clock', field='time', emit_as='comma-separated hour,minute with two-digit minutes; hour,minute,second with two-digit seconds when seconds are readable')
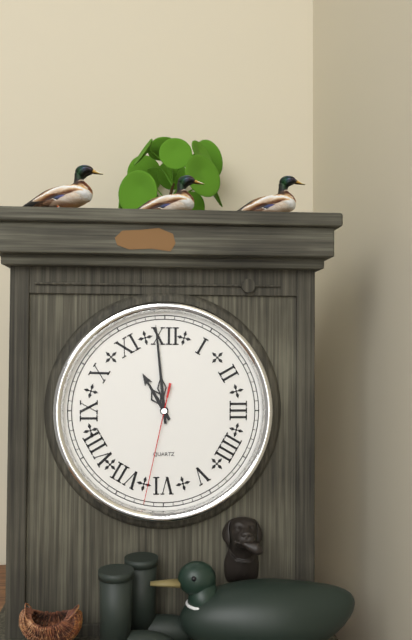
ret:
10,59,32
